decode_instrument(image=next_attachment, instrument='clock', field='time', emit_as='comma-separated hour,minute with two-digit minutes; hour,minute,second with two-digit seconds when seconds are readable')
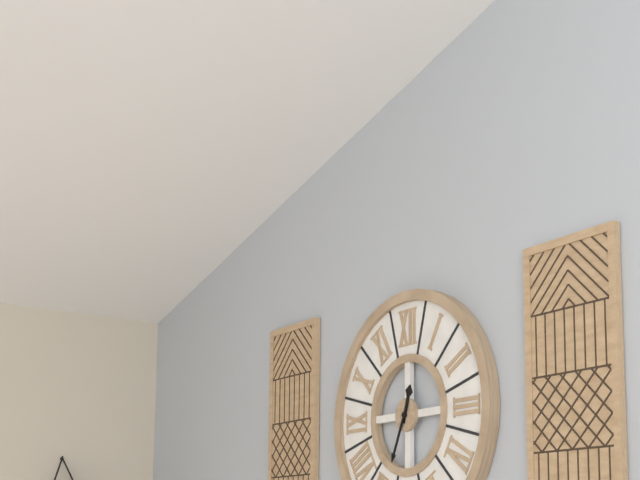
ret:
12,34
